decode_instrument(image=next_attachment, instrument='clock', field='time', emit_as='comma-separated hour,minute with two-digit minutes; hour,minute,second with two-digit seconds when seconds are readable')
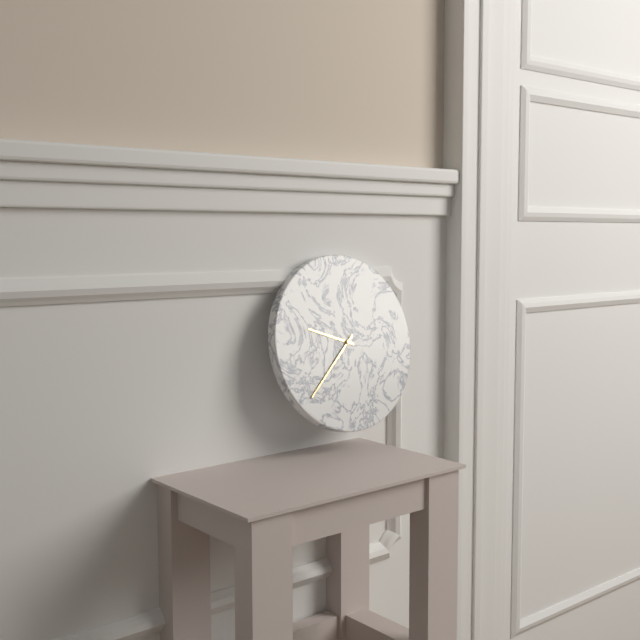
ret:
9,38
